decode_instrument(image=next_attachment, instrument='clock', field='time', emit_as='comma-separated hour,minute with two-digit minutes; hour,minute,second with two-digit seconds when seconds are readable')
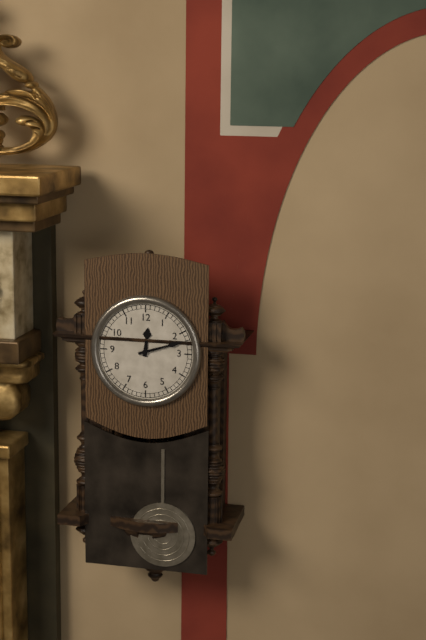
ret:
12,12
